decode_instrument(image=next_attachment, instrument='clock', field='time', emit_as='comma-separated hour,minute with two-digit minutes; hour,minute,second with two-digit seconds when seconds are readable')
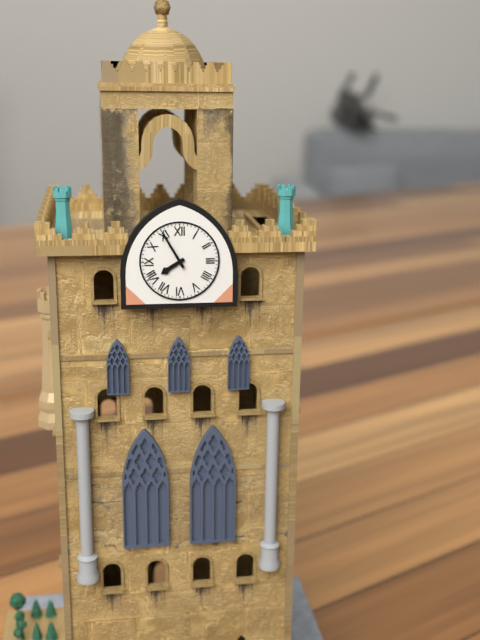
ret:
7,55
